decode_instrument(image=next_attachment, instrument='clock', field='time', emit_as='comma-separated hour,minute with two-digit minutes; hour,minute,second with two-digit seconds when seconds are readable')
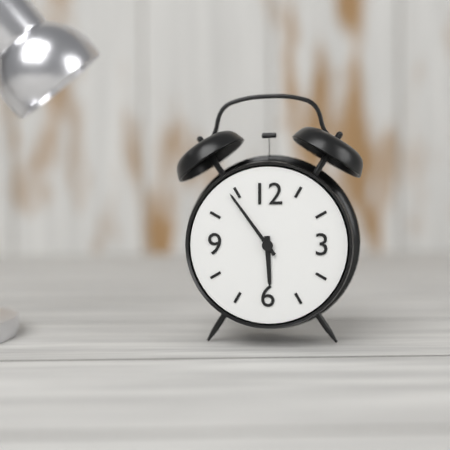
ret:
5,54
